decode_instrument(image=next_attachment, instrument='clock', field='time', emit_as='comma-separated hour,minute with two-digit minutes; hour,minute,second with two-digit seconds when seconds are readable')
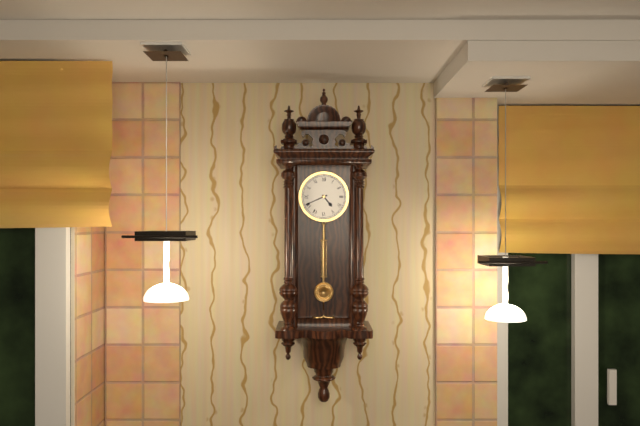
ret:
4,41
